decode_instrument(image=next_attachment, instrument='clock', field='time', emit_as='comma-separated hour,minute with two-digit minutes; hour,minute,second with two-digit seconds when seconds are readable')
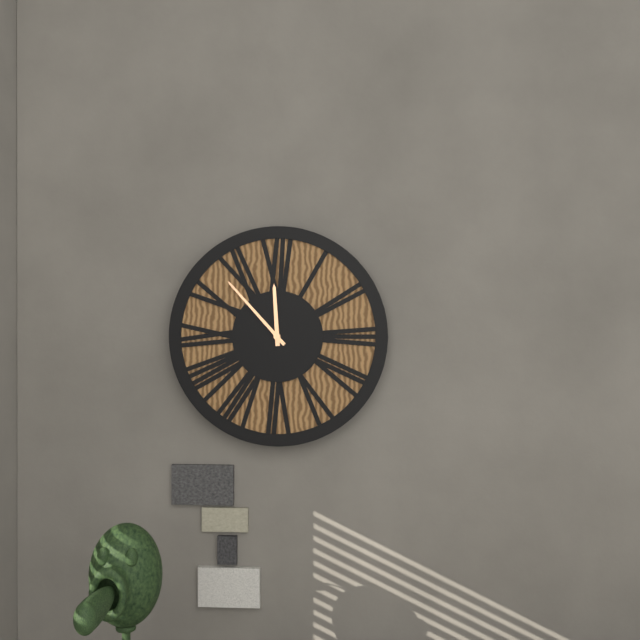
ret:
11,53
